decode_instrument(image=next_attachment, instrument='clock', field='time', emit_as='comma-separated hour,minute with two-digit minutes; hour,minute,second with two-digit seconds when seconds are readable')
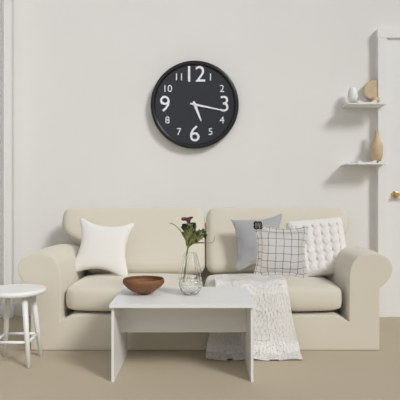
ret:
5,17
